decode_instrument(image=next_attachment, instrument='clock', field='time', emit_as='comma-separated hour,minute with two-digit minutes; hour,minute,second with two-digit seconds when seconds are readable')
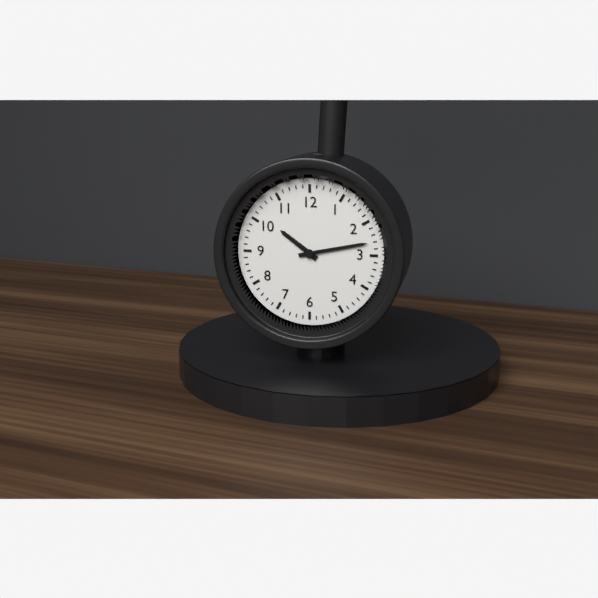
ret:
10,13
